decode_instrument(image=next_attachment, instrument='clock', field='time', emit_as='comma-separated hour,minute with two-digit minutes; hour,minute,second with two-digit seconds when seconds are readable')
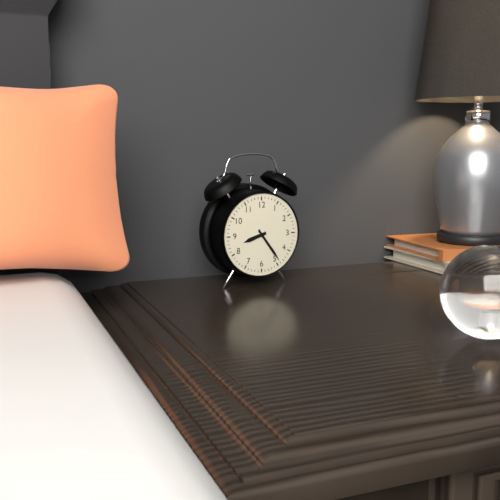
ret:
8,24
